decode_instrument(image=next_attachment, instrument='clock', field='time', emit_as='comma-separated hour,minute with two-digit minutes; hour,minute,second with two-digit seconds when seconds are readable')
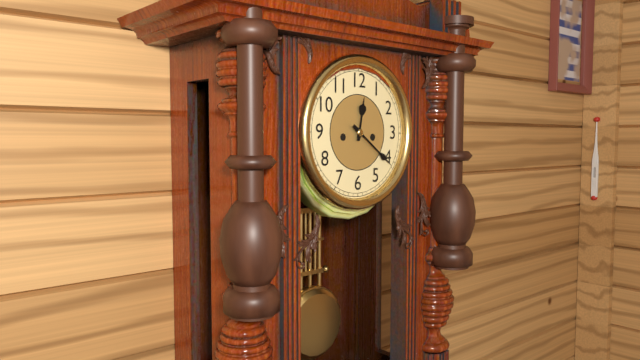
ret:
12,21
